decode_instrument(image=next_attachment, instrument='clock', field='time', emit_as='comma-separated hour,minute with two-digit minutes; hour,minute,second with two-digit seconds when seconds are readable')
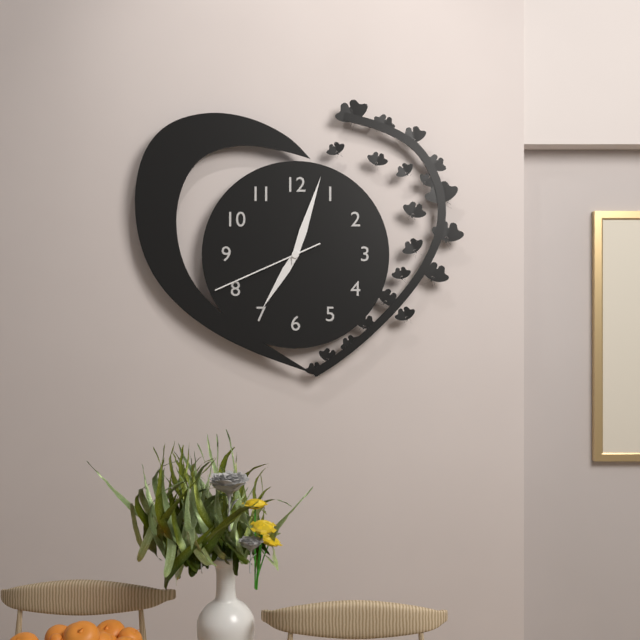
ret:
7,03,41
